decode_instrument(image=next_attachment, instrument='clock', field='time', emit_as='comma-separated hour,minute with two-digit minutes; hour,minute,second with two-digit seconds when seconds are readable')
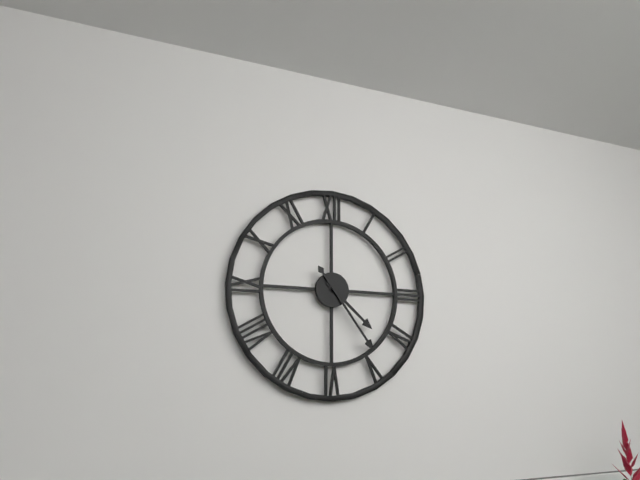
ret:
4,24
